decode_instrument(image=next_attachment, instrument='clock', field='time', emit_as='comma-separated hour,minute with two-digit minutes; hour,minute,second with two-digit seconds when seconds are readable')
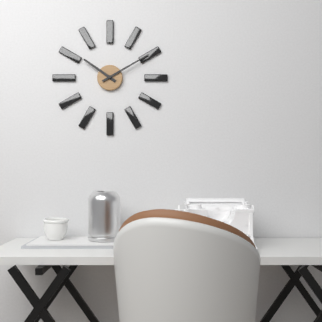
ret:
10,10
